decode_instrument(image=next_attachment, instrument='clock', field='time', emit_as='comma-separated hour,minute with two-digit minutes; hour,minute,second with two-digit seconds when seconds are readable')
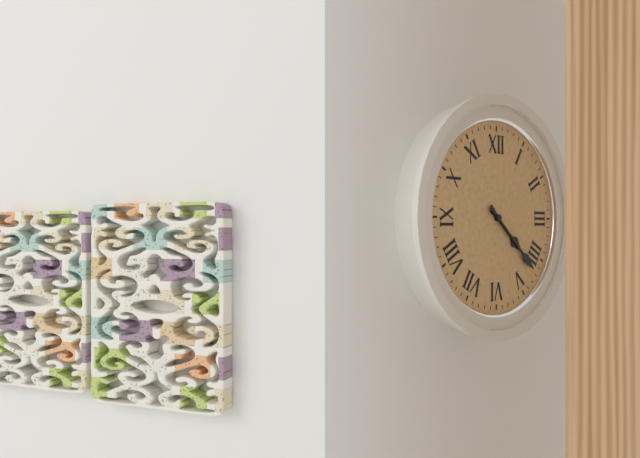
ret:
4,22
